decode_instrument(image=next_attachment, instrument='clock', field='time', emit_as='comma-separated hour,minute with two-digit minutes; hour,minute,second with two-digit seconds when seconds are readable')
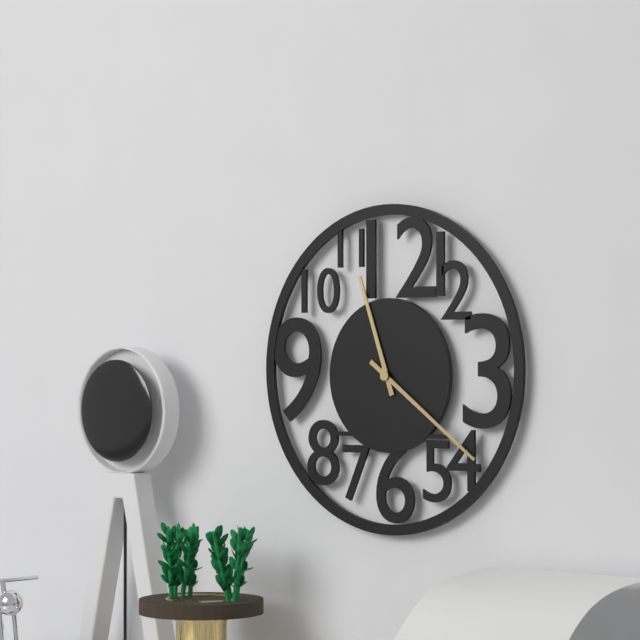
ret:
11,21
